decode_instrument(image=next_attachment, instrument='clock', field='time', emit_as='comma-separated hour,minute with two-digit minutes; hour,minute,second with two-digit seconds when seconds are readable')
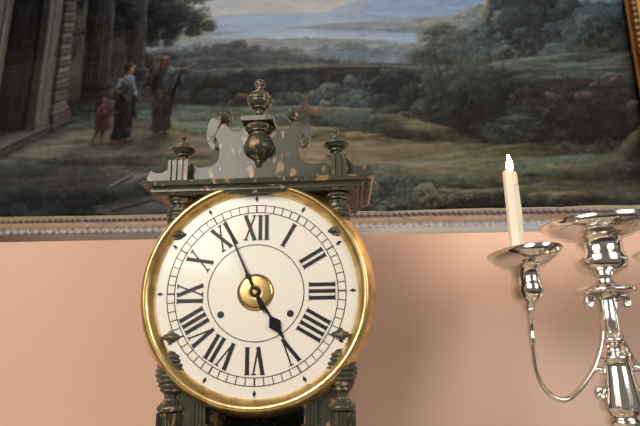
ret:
4,56
